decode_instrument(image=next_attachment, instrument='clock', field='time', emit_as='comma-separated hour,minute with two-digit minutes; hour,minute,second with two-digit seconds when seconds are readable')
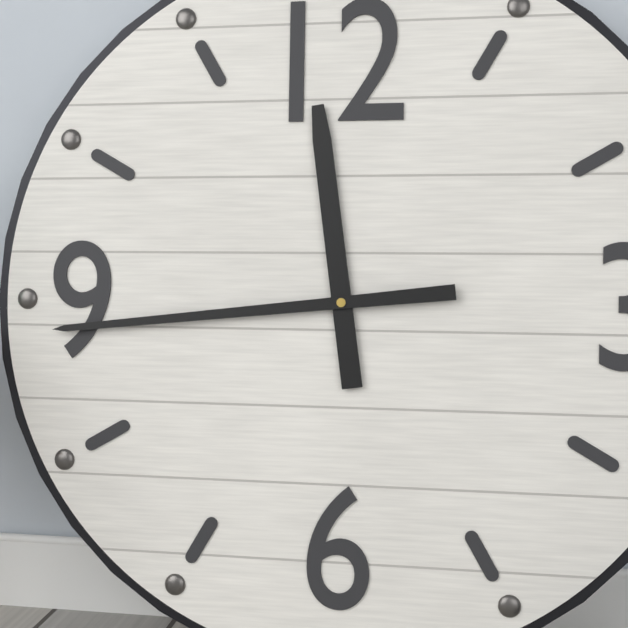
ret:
11,44
